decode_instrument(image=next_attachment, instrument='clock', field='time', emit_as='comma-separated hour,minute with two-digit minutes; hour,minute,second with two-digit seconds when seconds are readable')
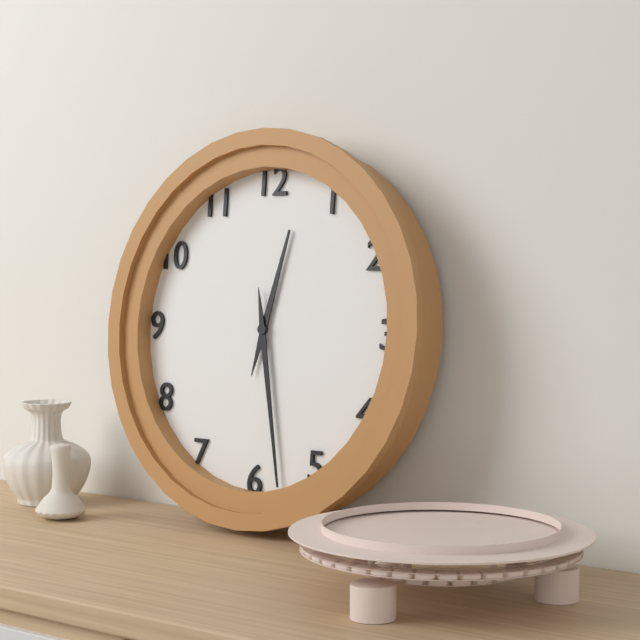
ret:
12,28
